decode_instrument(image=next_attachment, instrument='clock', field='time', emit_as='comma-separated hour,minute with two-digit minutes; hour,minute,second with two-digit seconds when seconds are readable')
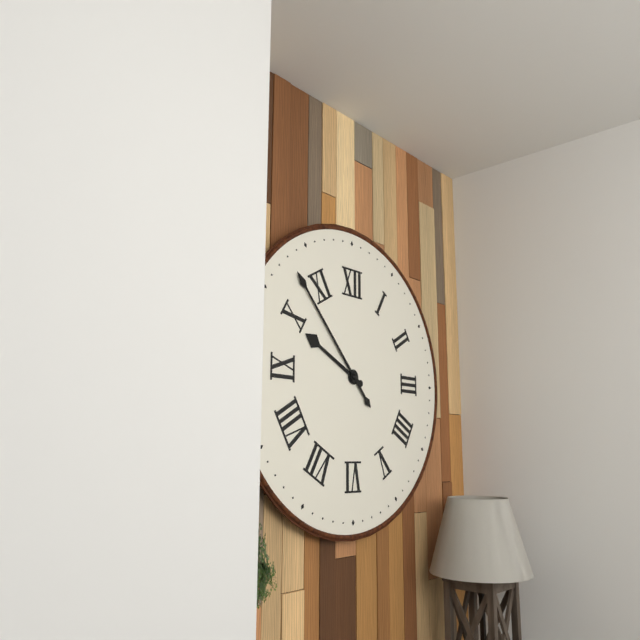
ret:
9,53
